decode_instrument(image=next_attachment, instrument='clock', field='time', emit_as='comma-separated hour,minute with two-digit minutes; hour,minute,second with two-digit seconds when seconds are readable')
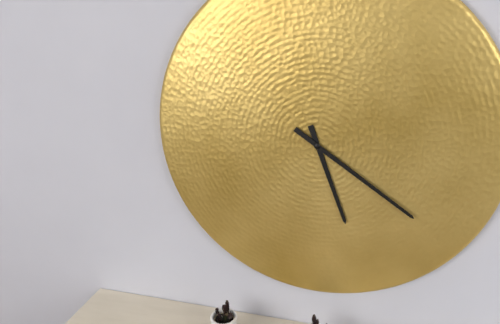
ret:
5,21
